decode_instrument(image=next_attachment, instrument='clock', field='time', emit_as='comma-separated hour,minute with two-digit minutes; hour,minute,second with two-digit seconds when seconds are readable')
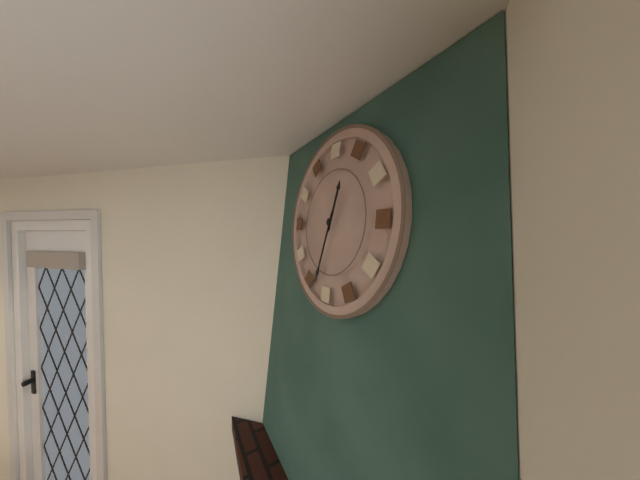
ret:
12,33
